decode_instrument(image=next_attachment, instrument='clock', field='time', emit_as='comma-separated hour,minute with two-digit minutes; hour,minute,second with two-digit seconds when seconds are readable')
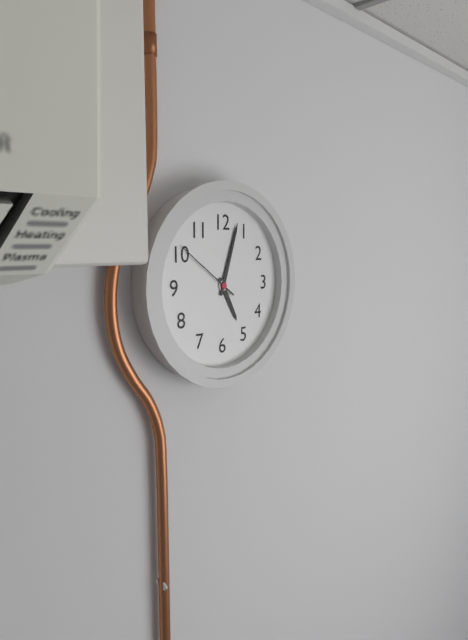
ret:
5,03,51
